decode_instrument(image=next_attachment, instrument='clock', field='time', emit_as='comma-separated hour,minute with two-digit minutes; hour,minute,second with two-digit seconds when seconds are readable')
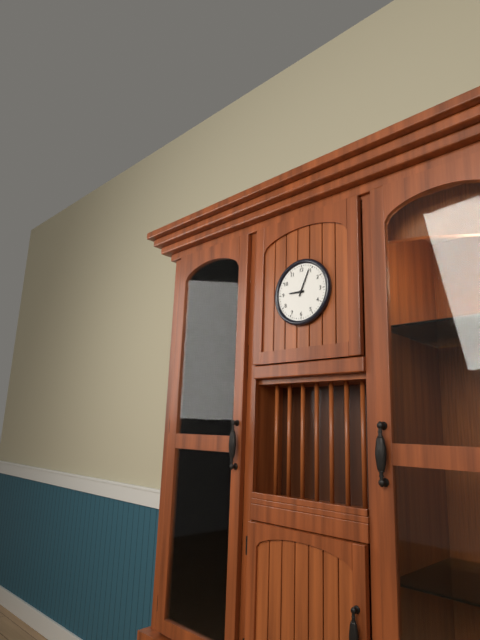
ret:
9,04
